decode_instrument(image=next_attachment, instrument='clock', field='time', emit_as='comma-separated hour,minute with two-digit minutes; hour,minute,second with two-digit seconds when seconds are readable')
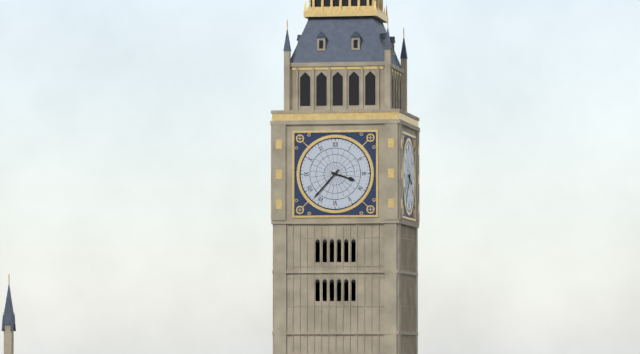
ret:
3,37
